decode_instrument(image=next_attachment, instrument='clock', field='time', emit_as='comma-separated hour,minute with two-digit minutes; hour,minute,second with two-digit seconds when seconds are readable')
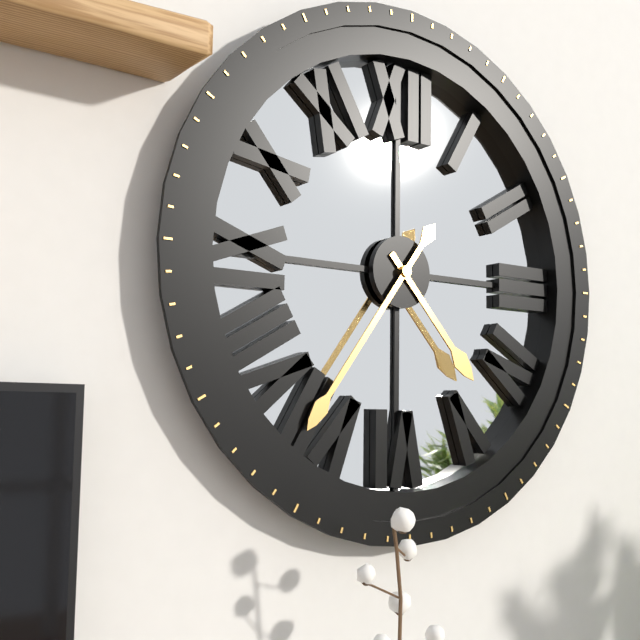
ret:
4,36
